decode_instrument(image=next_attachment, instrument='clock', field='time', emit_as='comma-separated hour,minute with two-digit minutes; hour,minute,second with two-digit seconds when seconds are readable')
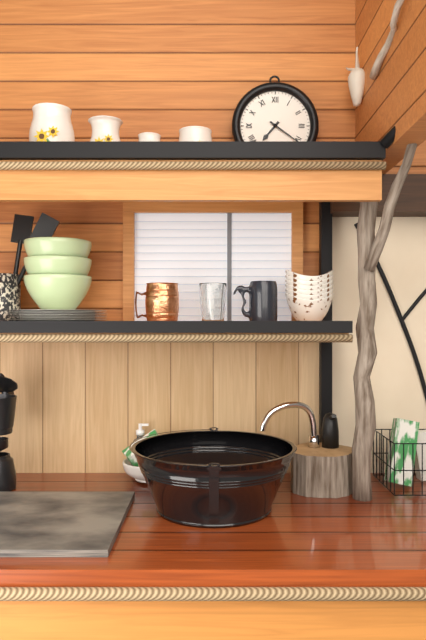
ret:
7,21
